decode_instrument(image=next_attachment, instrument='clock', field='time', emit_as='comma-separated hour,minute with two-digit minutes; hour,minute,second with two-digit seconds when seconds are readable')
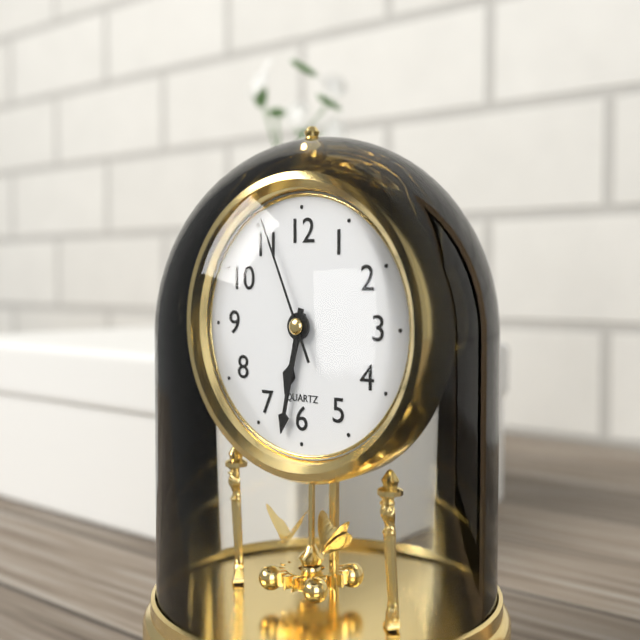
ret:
6,32,56
